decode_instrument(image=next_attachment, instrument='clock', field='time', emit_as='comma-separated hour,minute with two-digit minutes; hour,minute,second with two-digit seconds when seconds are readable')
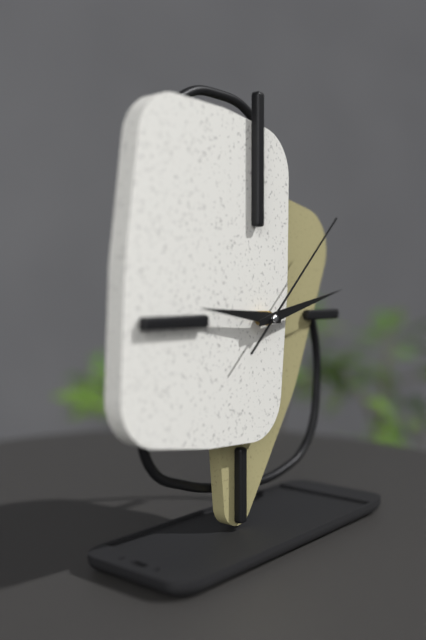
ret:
9,13,08
